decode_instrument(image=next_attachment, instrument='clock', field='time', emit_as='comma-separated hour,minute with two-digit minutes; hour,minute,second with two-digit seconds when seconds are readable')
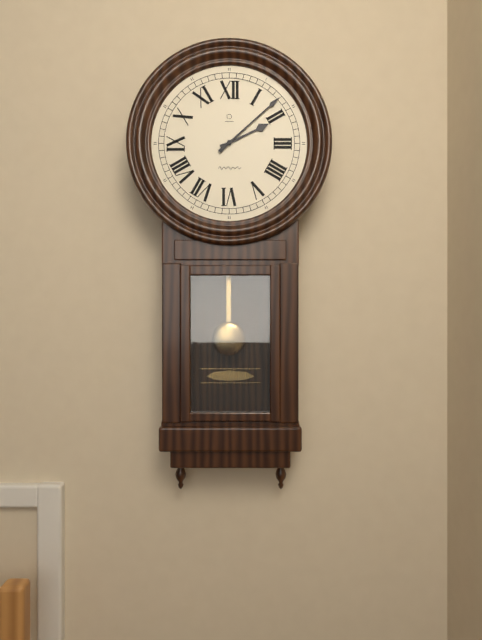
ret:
2,08
